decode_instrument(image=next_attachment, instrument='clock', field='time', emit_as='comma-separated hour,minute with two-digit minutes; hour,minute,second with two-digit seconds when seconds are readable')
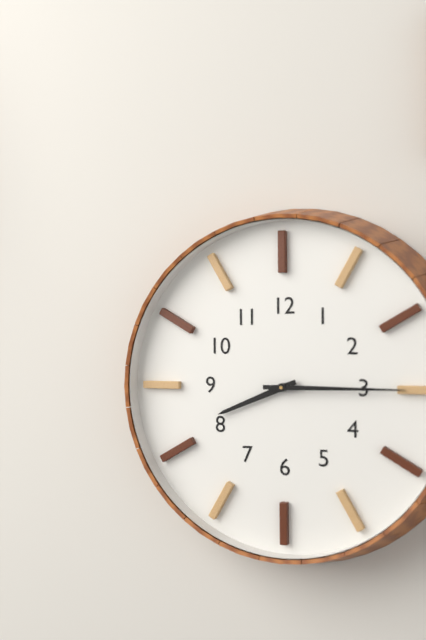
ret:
8,15
